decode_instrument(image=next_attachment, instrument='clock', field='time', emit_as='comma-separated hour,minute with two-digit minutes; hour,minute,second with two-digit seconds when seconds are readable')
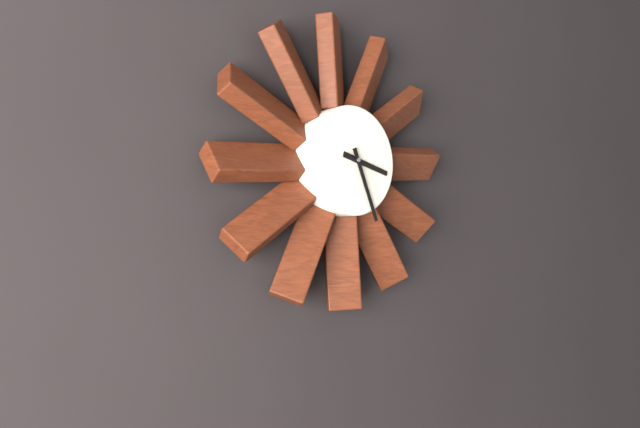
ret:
3,26
